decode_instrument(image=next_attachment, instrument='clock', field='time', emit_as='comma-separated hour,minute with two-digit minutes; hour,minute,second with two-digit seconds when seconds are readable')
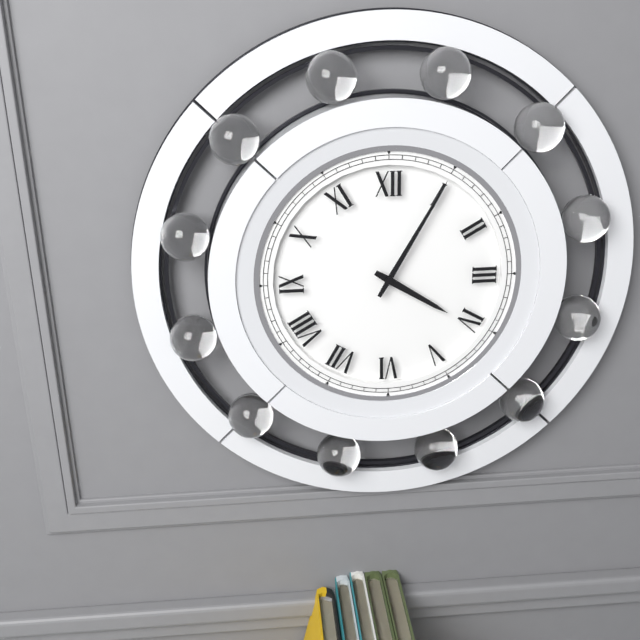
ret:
4,05
